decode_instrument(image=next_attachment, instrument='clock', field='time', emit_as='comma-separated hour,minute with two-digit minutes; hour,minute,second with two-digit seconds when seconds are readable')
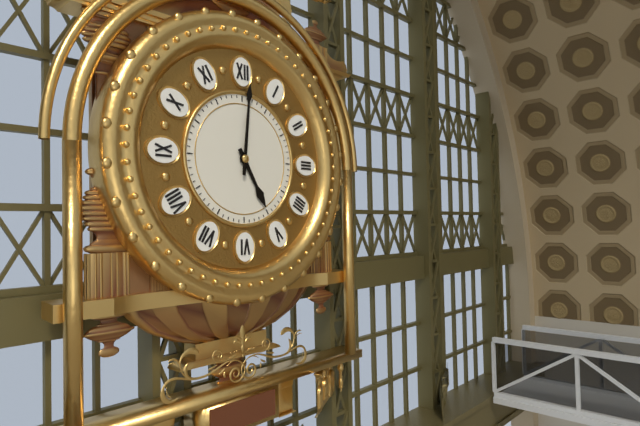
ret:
5,01
